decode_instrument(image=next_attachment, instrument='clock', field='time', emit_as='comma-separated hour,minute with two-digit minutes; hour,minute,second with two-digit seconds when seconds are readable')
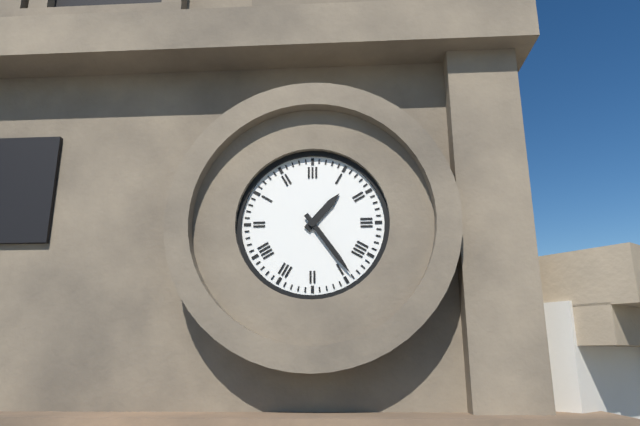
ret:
1,24
